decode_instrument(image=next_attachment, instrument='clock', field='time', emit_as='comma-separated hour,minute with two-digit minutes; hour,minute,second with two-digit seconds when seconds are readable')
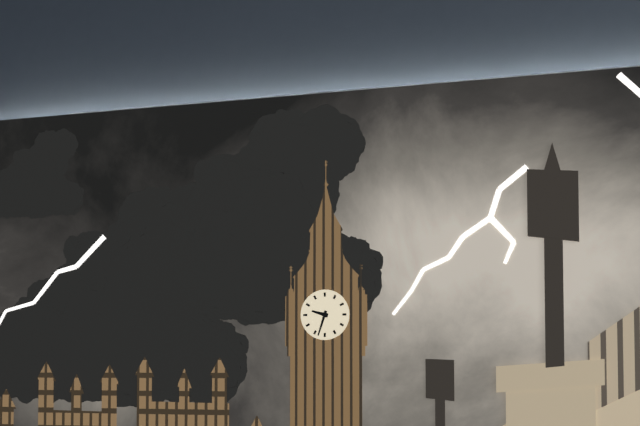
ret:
9,33
